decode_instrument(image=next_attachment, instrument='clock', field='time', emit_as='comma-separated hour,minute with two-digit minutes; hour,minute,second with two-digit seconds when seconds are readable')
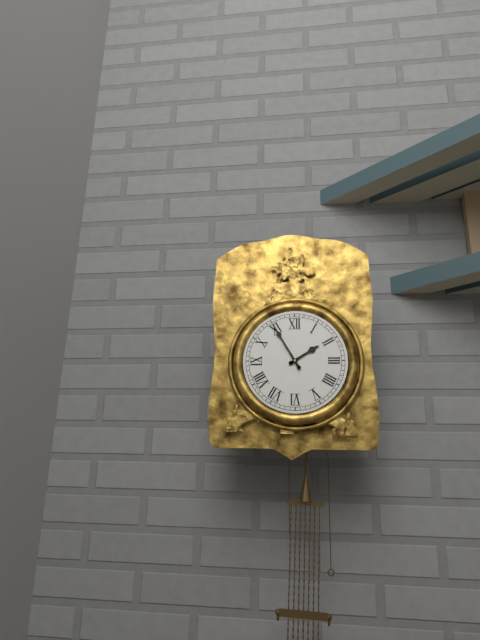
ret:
1,55
